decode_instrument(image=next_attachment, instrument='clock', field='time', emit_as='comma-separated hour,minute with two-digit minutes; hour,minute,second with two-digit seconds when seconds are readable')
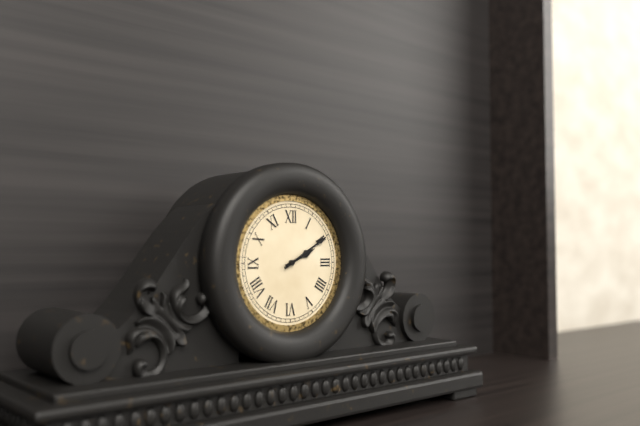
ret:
2,10
